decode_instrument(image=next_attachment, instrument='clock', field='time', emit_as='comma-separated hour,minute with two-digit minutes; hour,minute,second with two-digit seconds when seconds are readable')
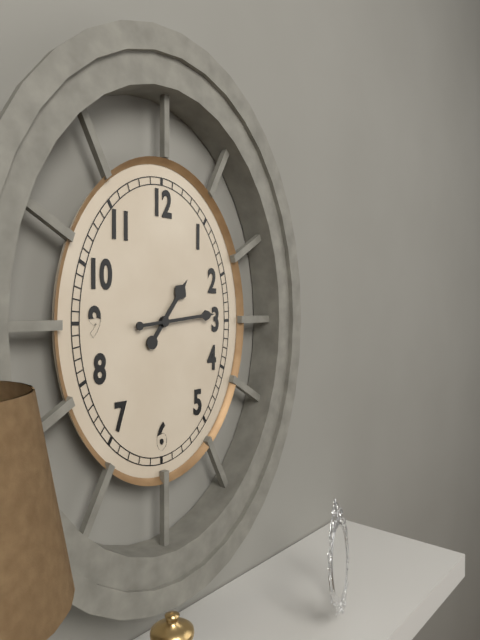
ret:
1,14
